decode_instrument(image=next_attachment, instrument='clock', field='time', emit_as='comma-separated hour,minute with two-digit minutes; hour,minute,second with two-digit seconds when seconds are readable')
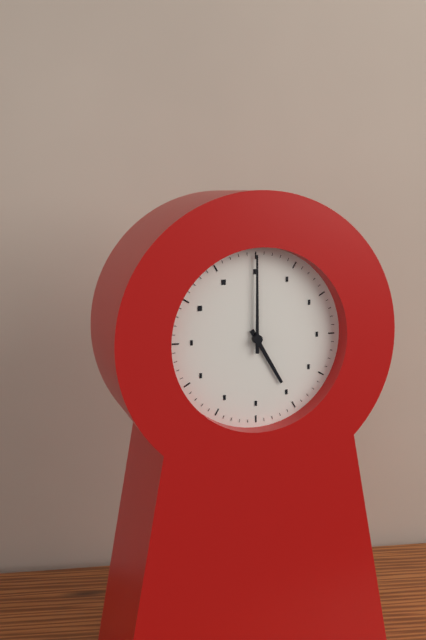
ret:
5,00
